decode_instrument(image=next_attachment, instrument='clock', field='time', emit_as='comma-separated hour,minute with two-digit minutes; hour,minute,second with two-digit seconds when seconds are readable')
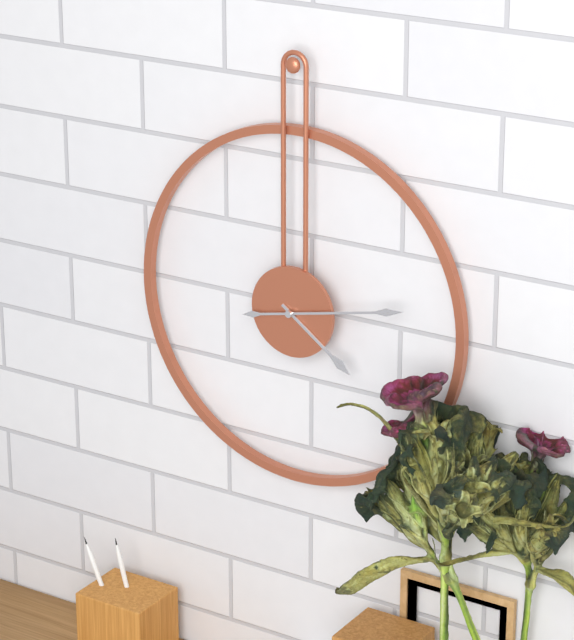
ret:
4,13
